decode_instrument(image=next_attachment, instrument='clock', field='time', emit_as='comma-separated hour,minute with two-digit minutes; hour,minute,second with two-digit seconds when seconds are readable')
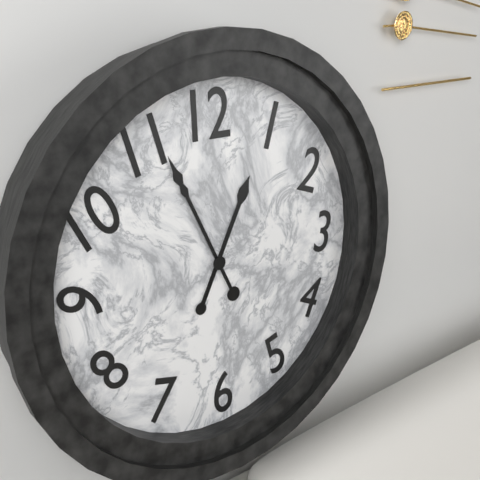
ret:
12,56
